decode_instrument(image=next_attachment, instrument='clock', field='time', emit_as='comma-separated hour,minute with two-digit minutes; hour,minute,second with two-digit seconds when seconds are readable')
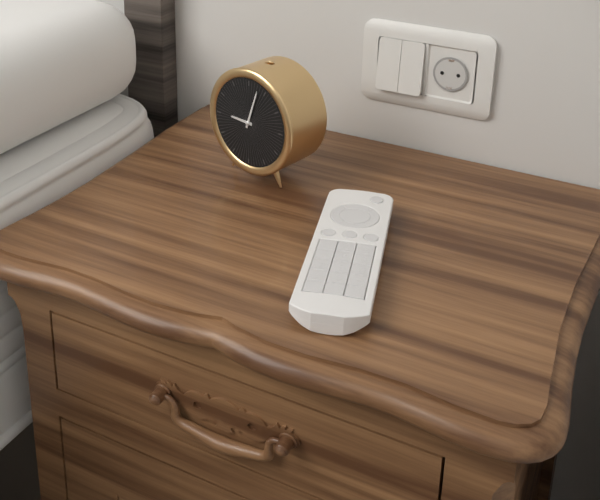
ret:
9,03
